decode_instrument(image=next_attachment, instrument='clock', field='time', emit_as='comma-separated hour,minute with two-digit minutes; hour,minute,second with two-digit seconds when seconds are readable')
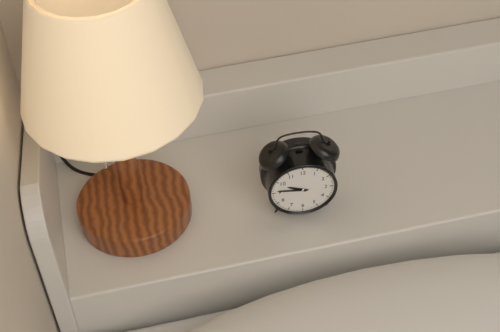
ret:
9,46
